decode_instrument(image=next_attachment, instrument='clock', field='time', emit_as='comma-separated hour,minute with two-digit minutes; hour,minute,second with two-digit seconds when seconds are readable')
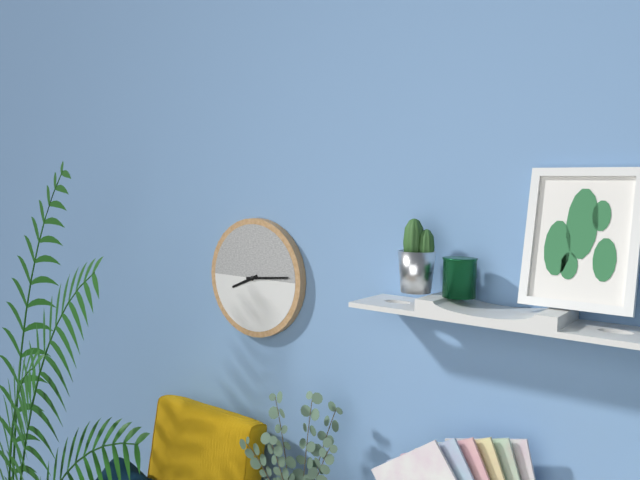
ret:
8,14
